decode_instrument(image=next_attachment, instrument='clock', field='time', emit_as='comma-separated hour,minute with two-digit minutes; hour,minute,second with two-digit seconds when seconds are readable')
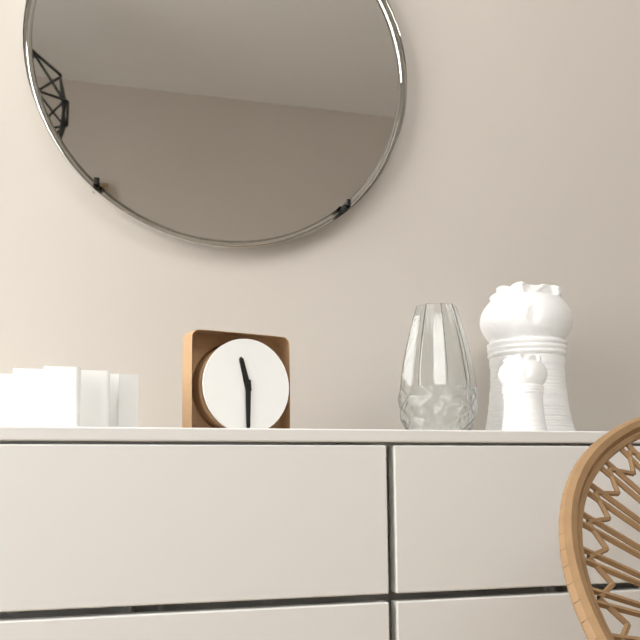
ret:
11,30
